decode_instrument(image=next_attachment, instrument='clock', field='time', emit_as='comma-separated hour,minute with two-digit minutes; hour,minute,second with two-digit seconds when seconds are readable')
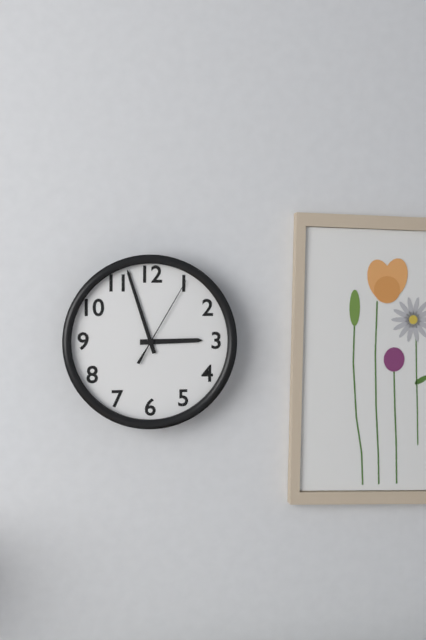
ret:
2,57,05
